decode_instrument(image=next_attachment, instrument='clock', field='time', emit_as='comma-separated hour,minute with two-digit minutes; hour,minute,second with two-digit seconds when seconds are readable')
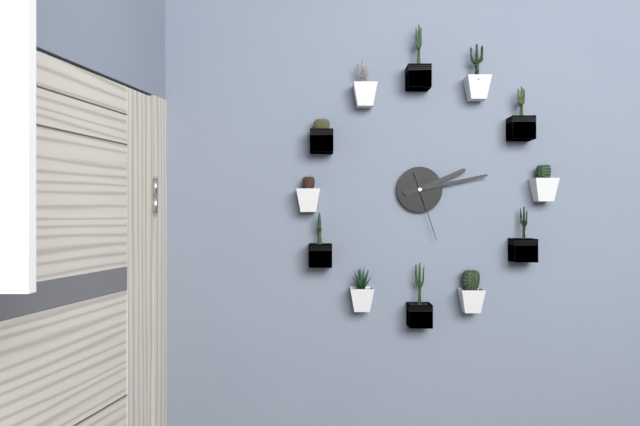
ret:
2,13,27
